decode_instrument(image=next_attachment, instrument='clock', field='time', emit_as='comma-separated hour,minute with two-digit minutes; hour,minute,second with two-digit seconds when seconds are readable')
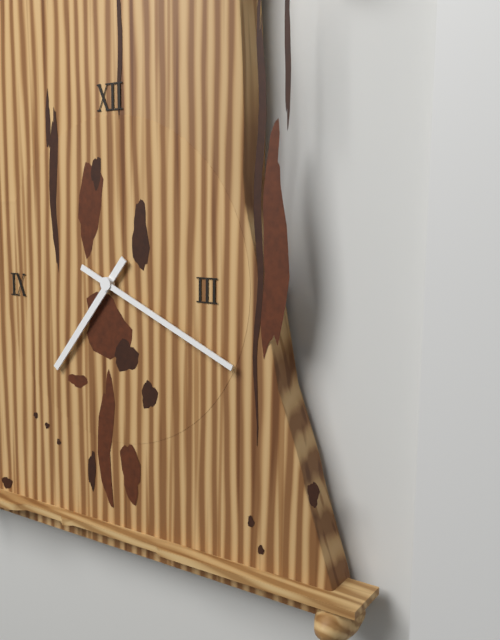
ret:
7,19
